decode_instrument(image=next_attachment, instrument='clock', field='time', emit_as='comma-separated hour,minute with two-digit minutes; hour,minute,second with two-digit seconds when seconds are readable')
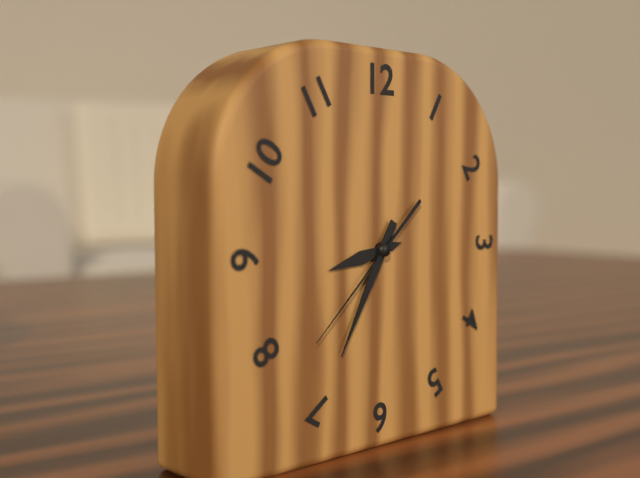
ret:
8,35,38
